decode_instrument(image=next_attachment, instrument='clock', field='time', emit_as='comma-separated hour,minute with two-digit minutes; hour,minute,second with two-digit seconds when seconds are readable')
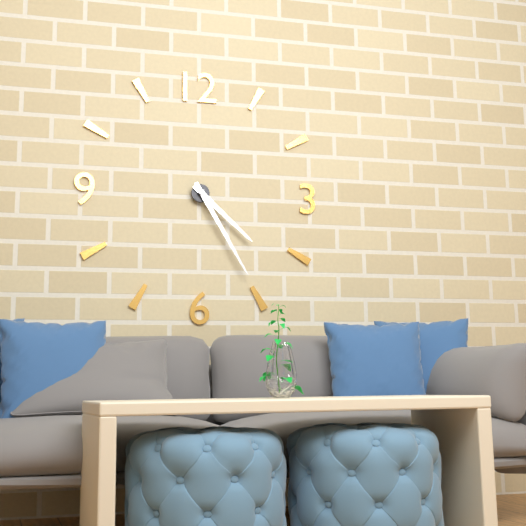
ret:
4,25
